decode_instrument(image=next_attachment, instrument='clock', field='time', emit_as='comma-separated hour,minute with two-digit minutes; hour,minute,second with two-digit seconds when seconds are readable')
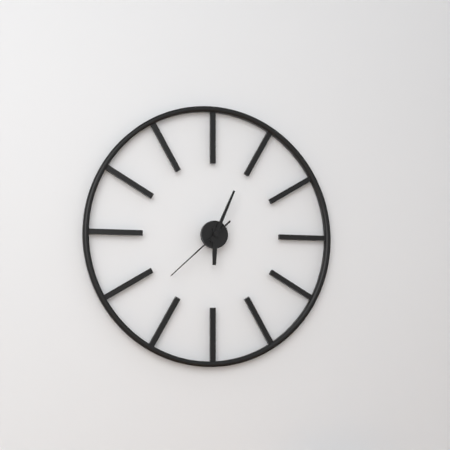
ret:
6,04,38
